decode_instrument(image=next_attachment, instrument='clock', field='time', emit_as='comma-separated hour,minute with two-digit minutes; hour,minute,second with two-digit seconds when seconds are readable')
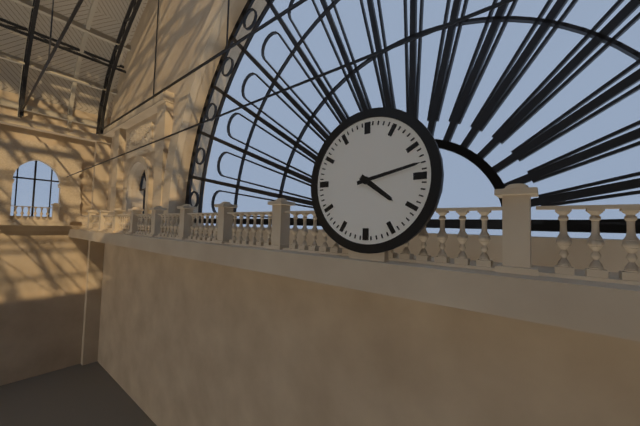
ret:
4,13
